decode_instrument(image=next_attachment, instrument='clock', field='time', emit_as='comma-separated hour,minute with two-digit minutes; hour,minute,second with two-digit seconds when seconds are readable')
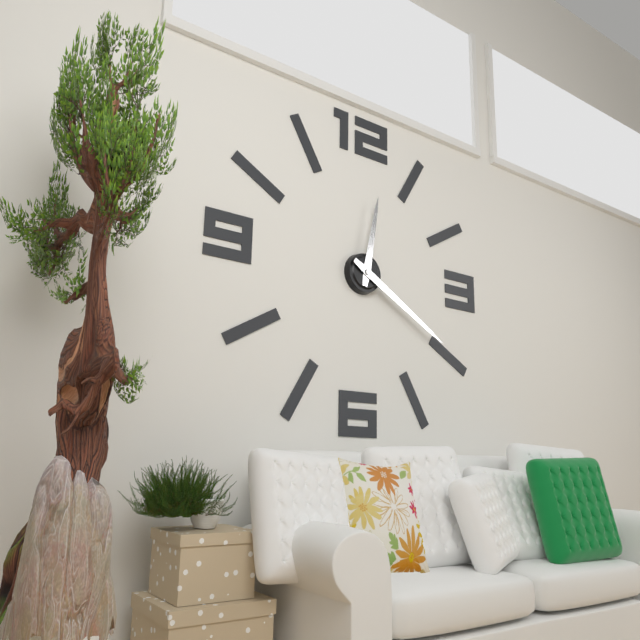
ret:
12,20
